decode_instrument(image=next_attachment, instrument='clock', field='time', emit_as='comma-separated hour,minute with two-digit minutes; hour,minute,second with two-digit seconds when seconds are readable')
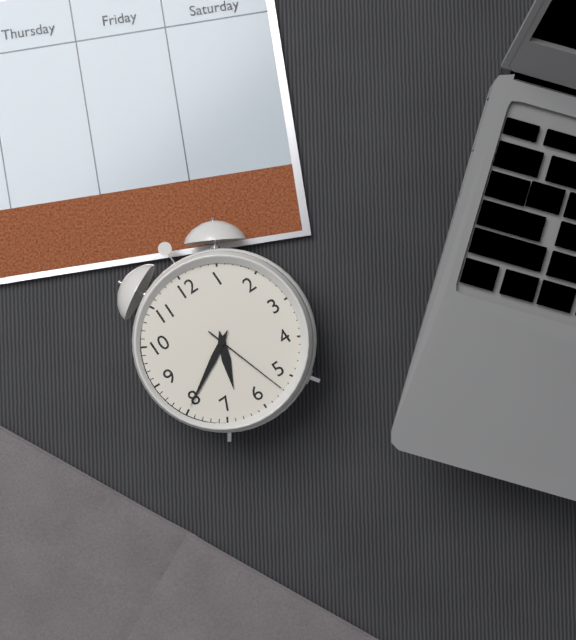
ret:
6,40,27
